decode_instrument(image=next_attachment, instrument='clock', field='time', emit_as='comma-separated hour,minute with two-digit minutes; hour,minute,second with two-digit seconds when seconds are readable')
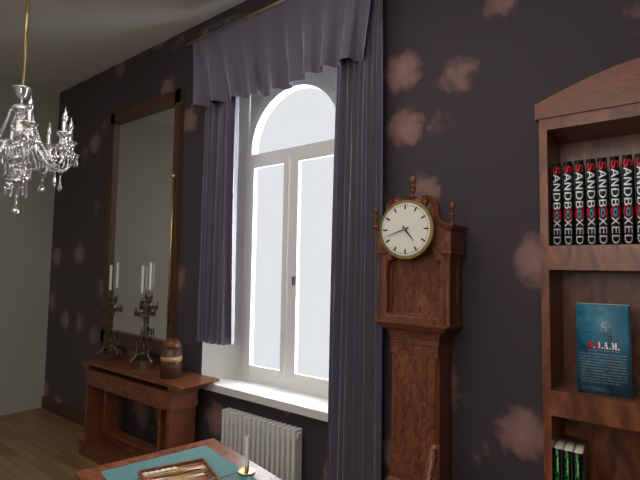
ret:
4,42
